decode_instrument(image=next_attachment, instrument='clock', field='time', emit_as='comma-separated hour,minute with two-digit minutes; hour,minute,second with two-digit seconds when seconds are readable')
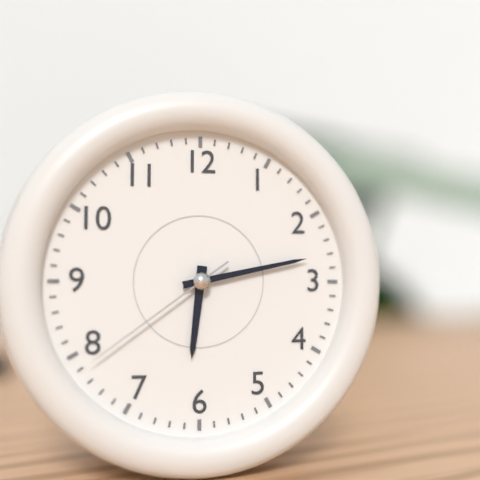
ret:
6,13,39
